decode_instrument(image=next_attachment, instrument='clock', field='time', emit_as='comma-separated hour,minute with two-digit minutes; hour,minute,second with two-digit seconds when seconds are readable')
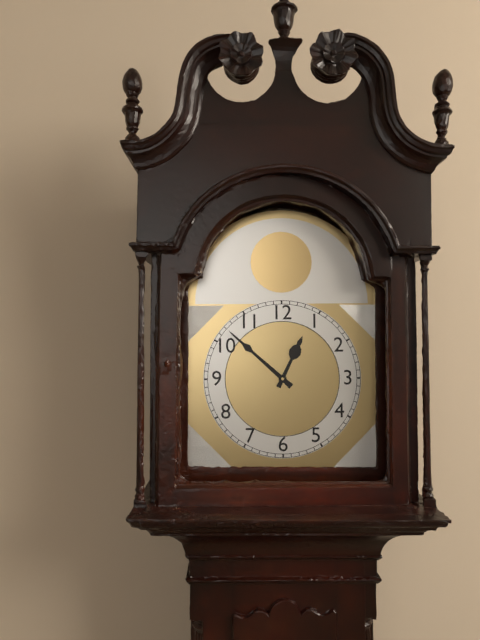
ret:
12,52
